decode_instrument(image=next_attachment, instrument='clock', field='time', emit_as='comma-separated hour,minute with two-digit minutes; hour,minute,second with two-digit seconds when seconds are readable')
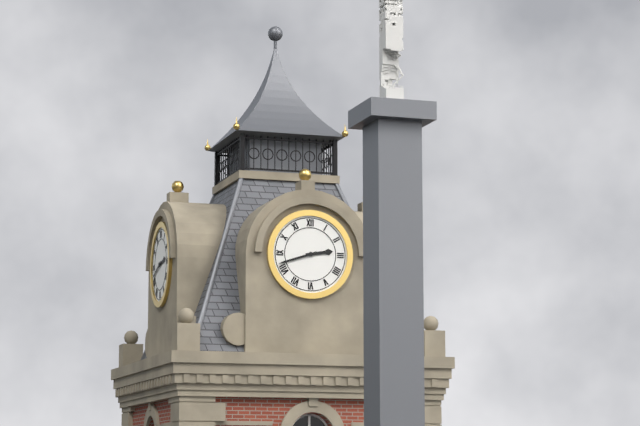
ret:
2,42
